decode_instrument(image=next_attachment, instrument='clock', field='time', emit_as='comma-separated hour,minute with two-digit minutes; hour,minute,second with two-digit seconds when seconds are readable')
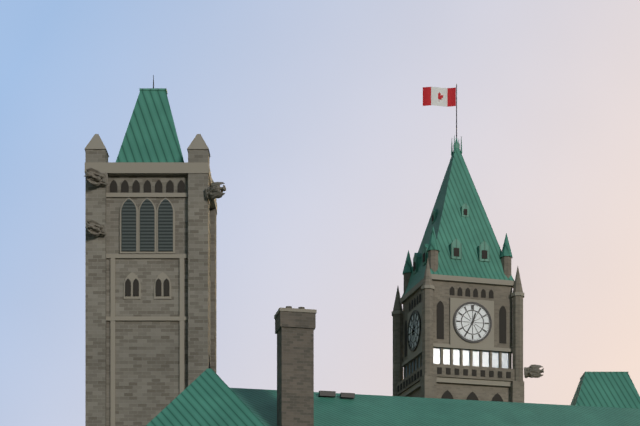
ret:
12,35
